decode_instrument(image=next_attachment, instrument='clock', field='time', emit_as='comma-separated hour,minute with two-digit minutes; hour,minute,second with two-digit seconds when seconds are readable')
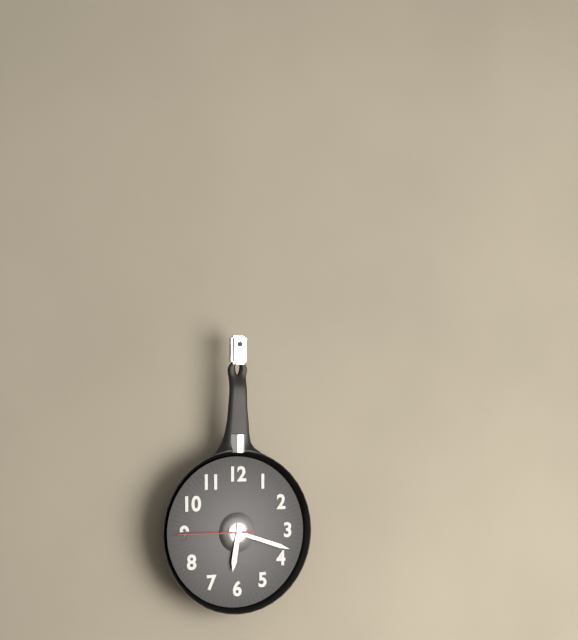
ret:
6,18,45
